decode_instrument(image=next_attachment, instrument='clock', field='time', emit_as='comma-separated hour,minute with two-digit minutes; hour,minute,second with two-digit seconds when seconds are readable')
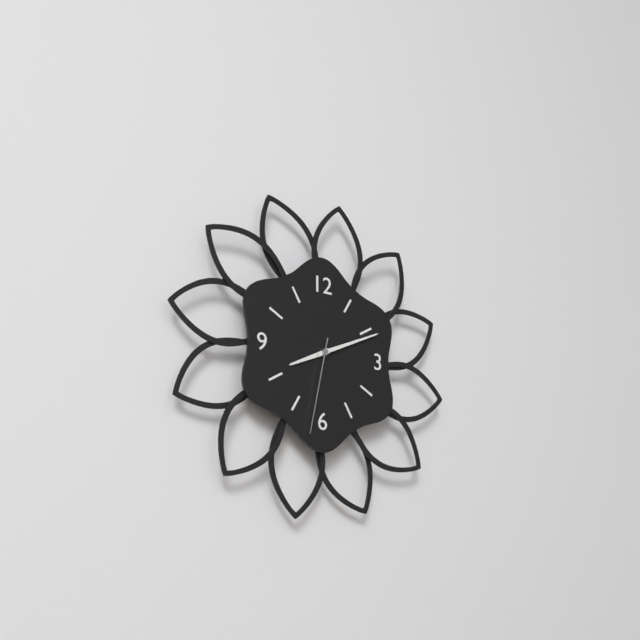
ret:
8,11,32
